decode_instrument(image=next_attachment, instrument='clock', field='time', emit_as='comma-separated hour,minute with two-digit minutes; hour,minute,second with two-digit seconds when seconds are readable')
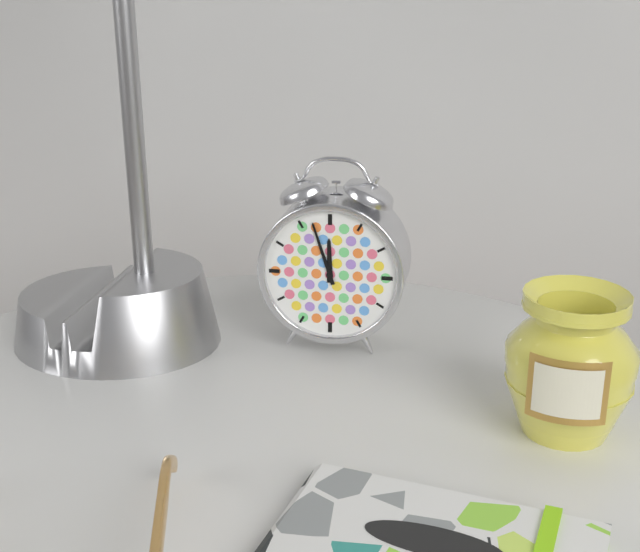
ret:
11,57
